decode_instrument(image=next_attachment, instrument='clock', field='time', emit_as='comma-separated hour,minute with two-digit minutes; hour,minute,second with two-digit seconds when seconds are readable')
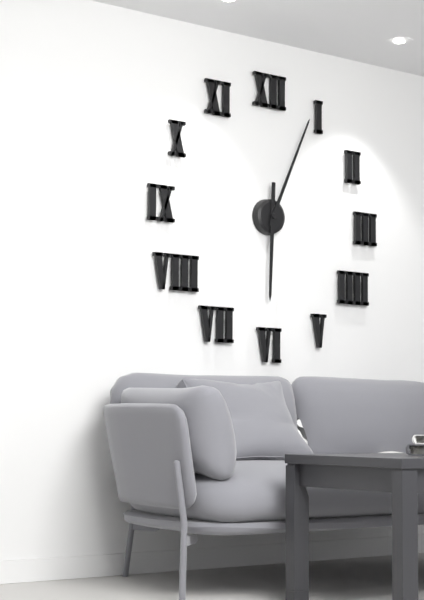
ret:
6,04
